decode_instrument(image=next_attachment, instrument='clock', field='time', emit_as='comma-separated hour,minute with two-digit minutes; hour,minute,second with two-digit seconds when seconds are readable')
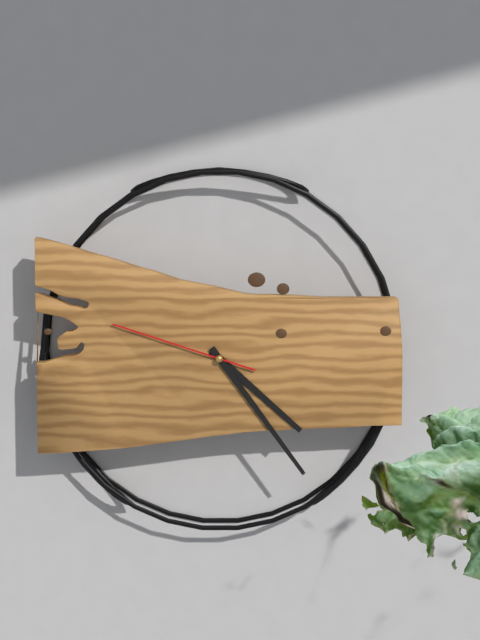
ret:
4,24,48
